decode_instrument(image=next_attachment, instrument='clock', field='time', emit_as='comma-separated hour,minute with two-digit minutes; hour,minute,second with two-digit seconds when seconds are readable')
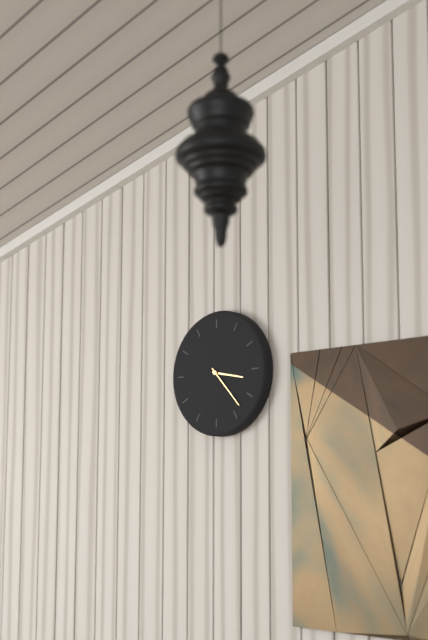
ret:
3,23
